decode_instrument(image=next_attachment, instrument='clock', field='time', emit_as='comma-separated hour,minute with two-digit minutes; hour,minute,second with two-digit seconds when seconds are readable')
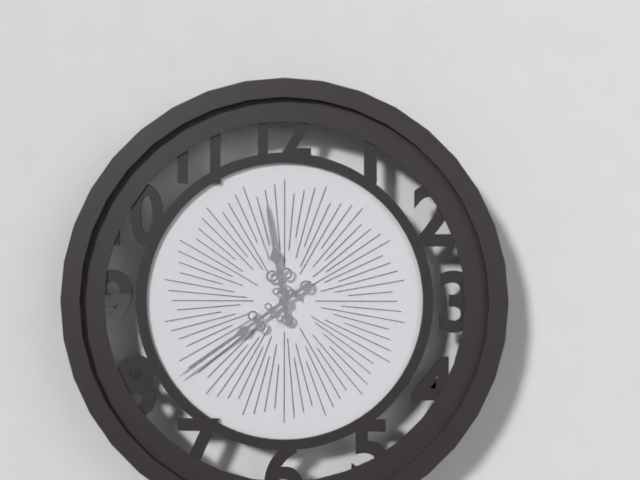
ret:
11,39
